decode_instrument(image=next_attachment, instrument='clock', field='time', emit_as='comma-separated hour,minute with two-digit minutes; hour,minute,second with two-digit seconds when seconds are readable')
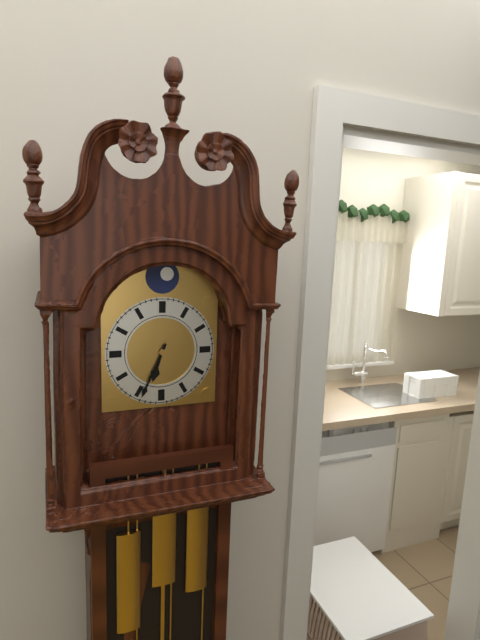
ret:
6,34
